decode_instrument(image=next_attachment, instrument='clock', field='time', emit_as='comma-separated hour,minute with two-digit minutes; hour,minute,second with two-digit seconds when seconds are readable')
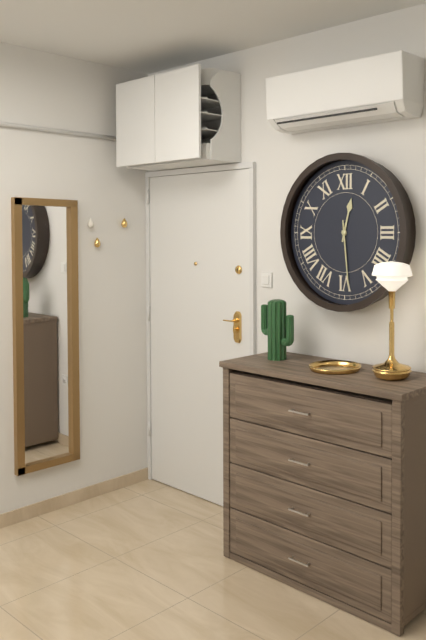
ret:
12,29
